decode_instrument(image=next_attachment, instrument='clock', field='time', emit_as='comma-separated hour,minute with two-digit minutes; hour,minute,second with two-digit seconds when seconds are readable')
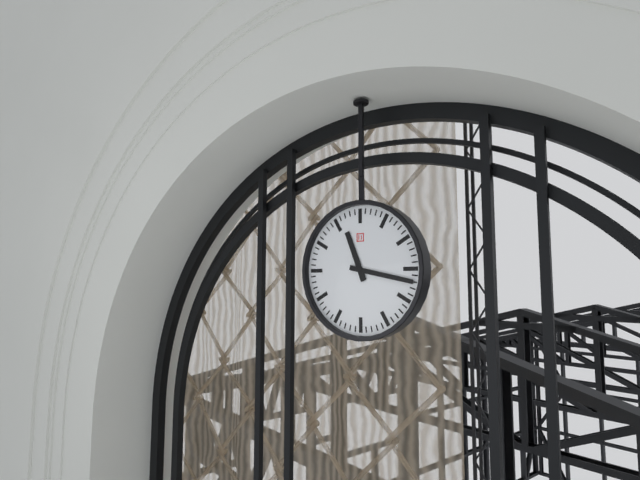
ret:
11,17
